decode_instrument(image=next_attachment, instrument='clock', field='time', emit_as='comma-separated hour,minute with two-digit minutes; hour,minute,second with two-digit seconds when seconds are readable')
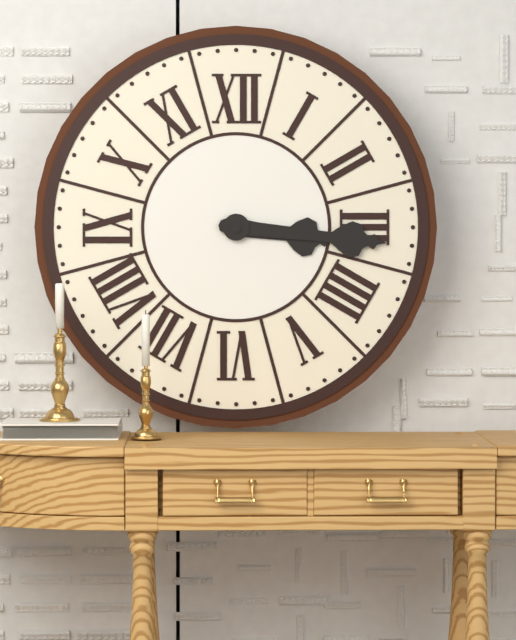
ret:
3,16
